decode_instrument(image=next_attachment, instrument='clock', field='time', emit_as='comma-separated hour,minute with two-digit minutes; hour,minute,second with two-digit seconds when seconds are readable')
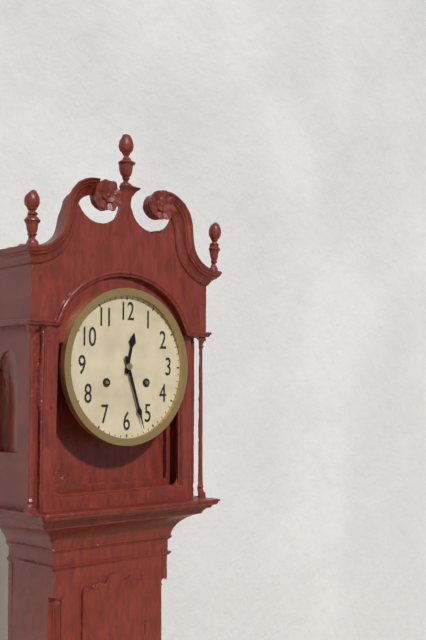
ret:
12,27
